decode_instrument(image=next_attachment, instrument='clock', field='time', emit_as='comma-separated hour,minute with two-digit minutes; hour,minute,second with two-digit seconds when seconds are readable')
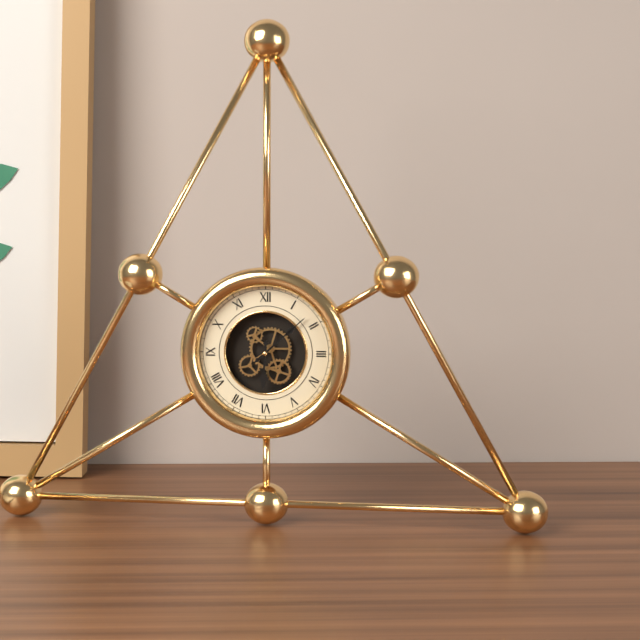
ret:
6,08
